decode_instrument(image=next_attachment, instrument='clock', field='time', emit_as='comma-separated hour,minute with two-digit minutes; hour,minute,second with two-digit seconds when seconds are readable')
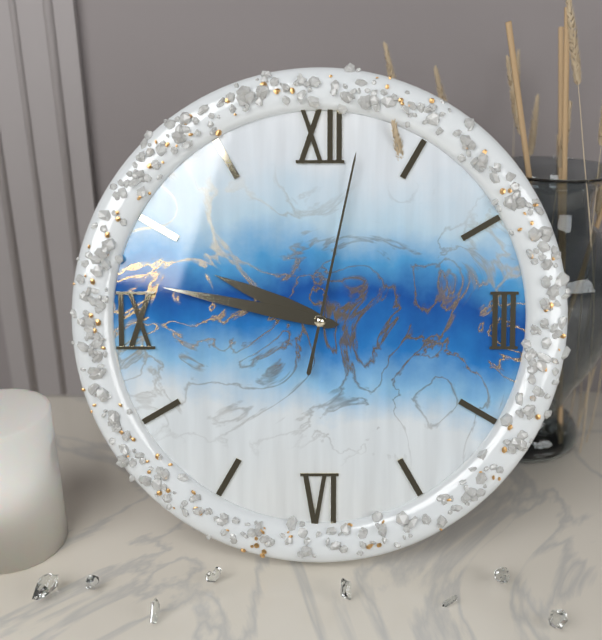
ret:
9,47,02
